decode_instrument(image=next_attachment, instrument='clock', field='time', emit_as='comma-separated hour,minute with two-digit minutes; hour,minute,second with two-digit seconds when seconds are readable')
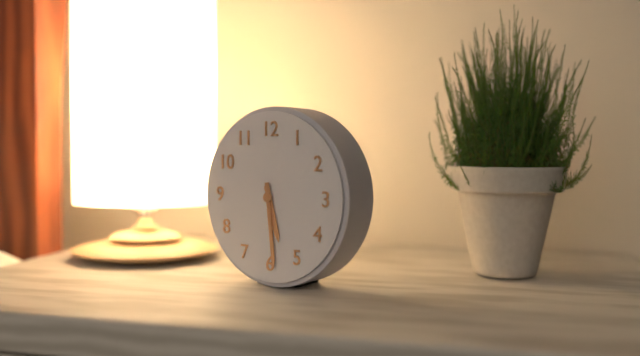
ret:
5,29
